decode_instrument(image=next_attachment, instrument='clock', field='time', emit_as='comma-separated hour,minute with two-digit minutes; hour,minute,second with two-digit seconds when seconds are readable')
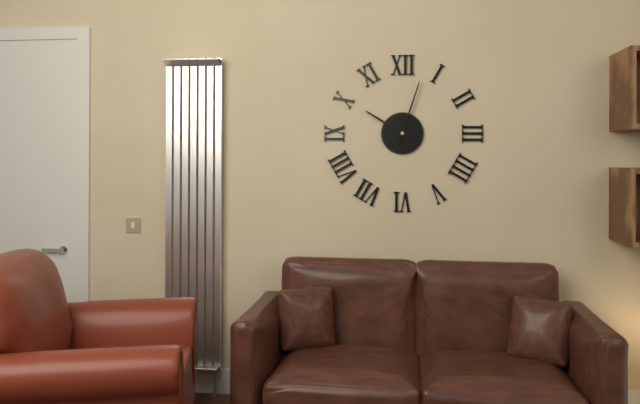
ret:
10,03
